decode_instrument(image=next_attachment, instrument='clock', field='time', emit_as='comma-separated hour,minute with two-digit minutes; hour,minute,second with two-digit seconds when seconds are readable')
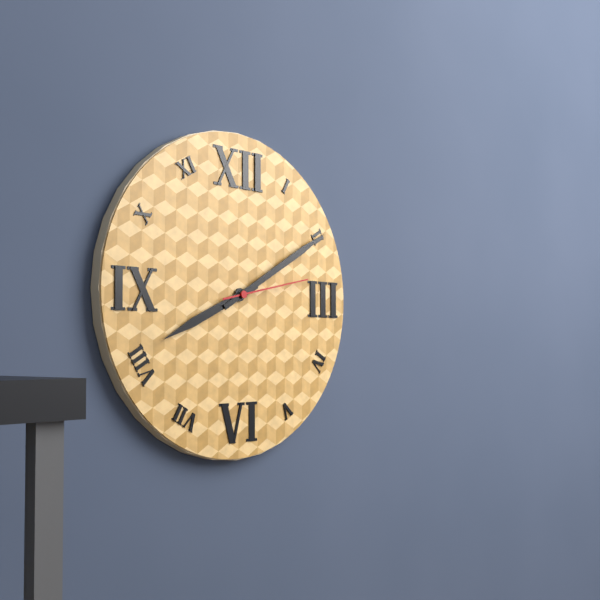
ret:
8,10,13
